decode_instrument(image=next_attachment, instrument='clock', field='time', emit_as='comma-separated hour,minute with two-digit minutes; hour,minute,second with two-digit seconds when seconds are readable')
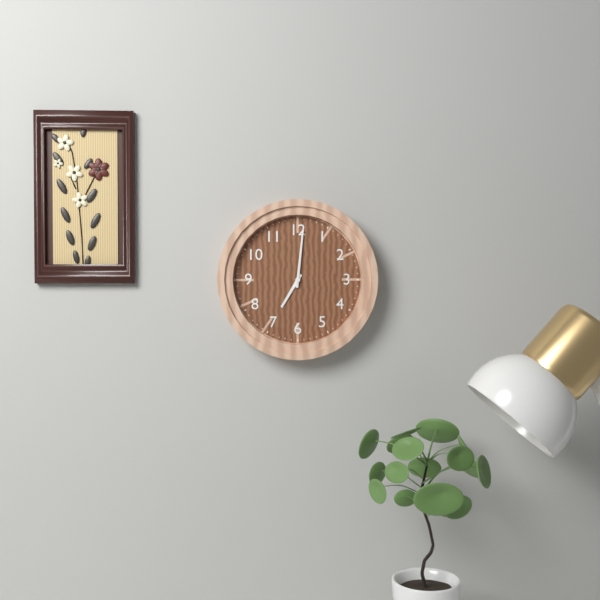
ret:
7,01
